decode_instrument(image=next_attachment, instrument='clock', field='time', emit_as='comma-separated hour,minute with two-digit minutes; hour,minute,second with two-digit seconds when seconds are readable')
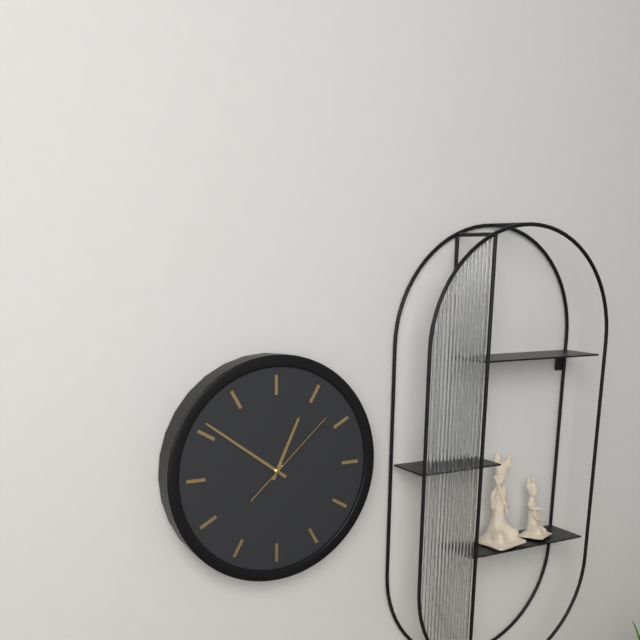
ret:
12,51,08
